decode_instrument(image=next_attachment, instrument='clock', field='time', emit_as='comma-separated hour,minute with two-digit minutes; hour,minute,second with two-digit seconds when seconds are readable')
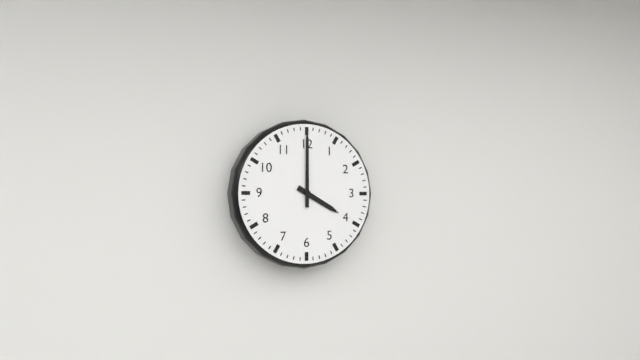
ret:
4,00
